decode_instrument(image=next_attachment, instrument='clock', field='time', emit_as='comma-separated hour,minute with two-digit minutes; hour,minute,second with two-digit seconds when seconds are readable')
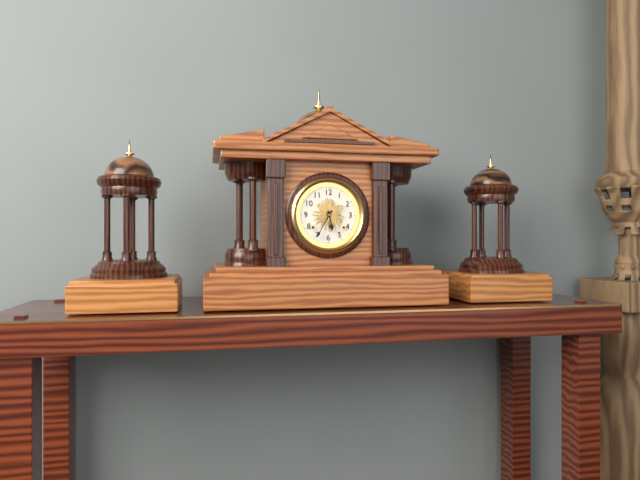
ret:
5,35
